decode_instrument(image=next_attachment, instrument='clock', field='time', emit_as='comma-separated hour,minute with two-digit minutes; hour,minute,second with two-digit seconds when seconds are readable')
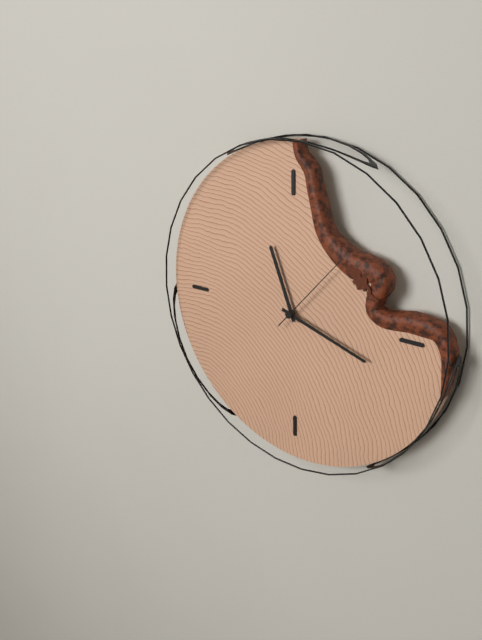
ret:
11,18,07
